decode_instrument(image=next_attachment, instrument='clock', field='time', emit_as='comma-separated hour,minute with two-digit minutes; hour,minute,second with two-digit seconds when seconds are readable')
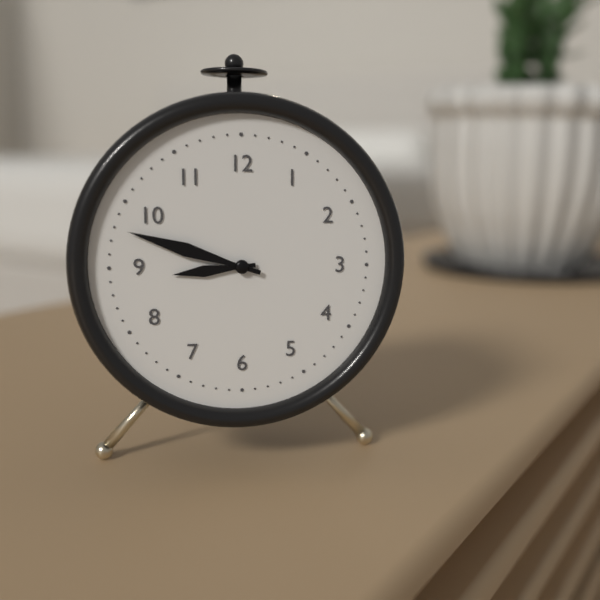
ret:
8,48
